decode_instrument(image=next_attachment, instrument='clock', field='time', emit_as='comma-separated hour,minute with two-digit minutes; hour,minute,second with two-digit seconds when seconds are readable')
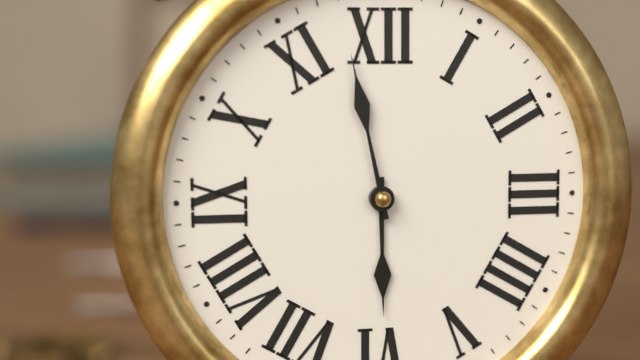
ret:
5,58
